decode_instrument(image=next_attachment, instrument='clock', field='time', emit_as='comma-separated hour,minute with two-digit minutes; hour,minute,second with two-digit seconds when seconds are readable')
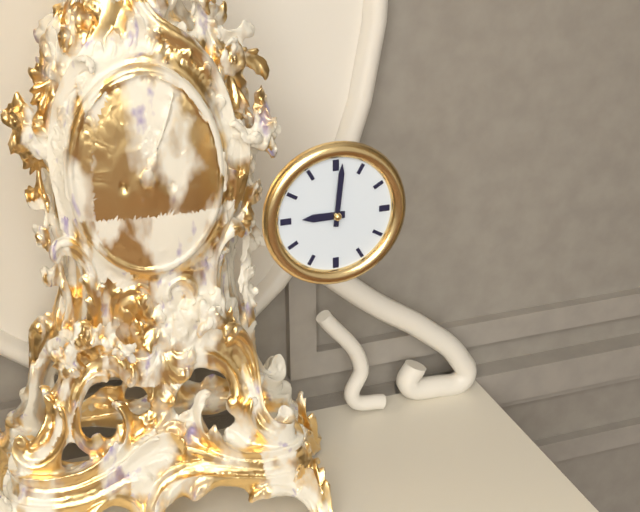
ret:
9,01
